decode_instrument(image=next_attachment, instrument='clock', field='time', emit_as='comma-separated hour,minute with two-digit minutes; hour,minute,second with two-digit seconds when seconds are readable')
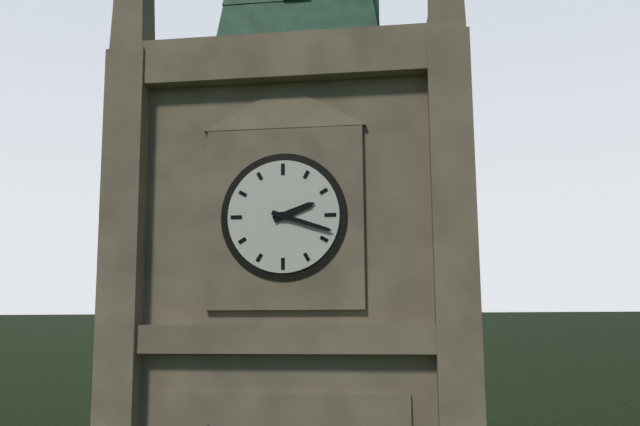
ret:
2,18
